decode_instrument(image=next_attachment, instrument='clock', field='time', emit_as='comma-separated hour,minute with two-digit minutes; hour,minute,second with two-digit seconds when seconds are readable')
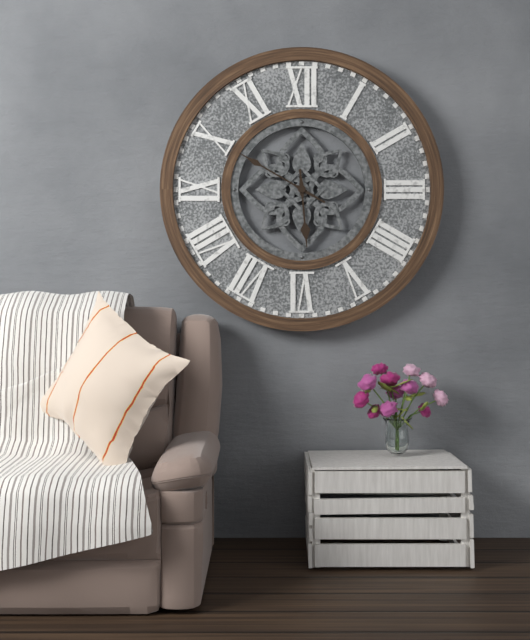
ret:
5,50
